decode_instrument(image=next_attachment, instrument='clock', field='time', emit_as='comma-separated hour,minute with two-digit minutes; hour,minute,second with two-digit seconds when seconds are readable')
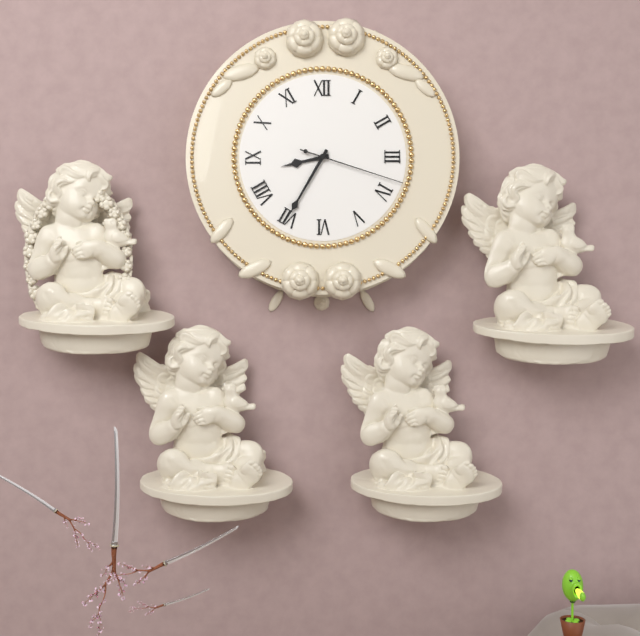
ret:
8,35,18
